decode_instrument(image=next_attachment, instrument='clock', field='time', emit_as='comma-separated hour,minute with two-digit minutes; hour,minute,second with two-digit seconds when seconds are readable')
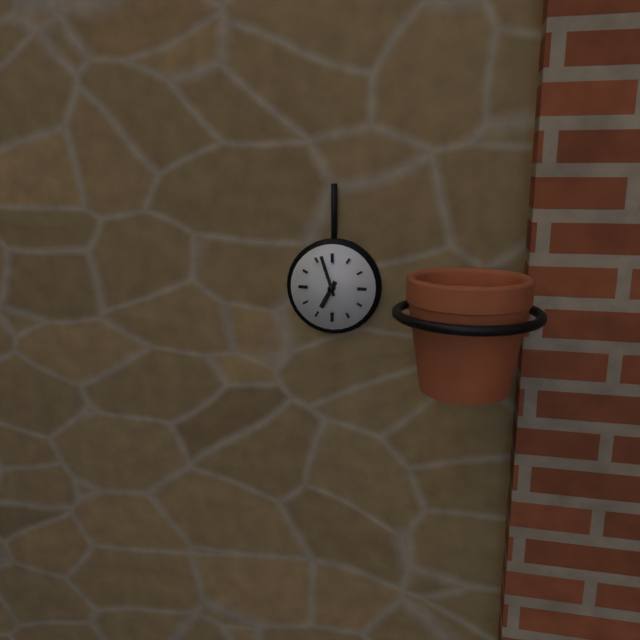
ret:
6,57
